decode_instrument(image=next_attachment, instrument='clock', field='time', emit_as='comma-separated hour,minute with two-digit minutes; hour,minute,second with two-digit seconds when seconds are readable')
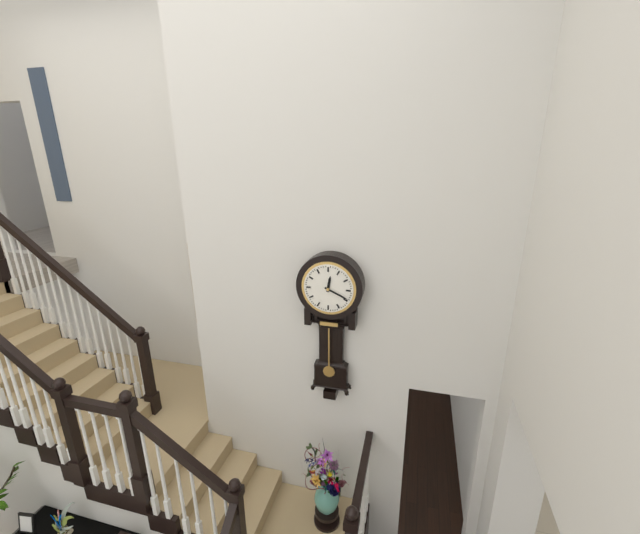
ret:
12,19
